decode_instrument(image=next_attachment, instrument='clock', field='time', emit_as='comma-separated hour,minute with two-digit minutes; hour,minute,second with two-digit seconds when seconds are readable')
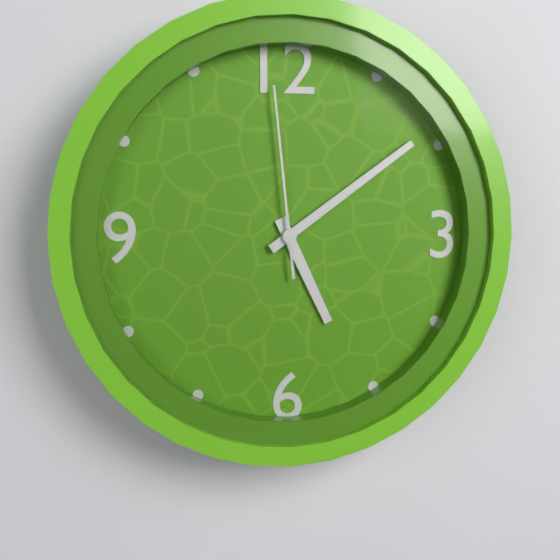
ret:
5,09,59
